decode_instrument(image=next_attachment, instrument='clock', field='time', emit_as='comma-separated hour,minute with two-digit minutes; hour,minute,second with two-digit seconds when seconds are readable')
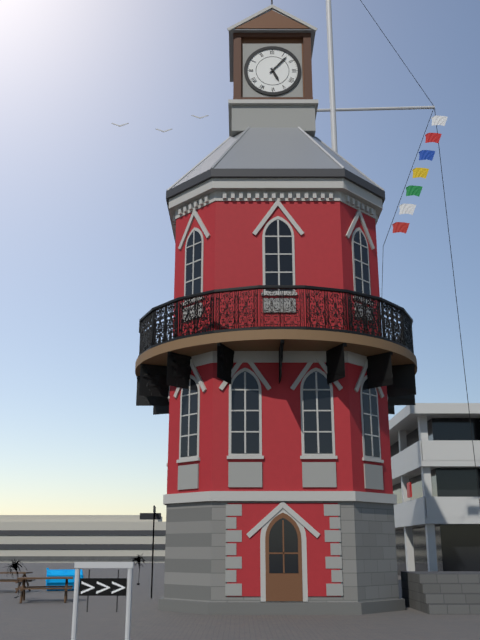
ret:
5,07
